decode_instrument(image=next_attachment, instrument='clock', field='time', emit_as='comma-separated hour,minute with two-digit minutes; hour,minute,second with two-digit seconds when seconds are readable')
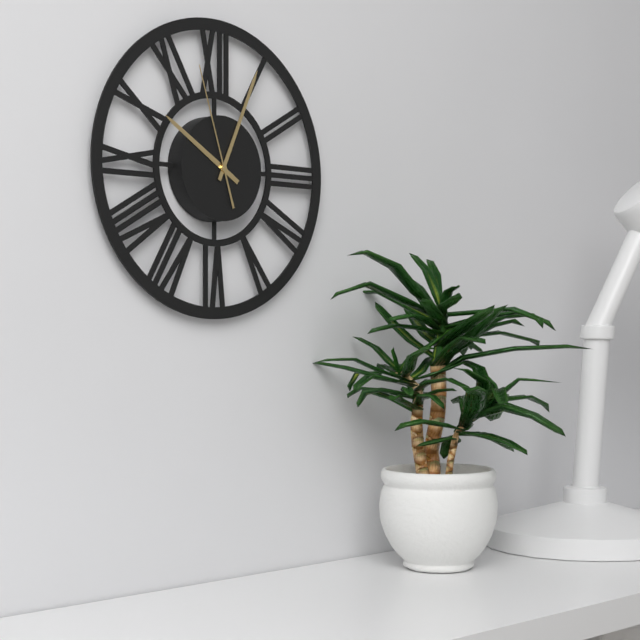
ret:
10,04,57
